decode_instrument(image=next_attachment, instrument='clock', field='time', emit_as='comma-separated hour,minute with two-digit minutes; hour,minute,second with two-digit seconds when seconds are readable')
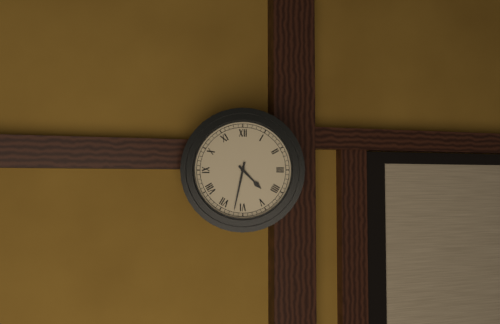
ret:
4,32
